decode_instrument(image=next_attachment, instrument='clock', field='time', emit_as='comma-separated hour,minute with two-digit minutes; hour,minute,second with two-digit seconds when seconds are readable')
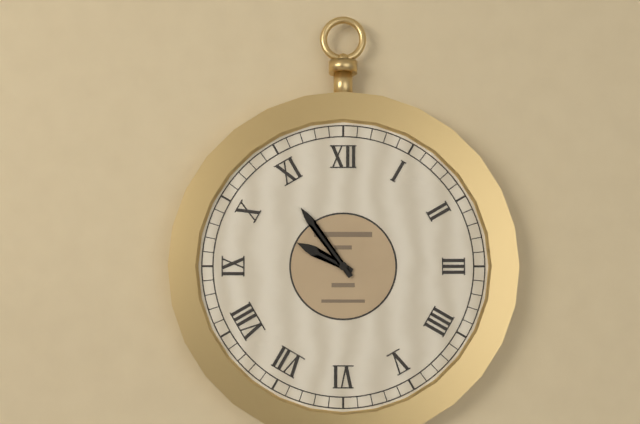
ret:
9,54
